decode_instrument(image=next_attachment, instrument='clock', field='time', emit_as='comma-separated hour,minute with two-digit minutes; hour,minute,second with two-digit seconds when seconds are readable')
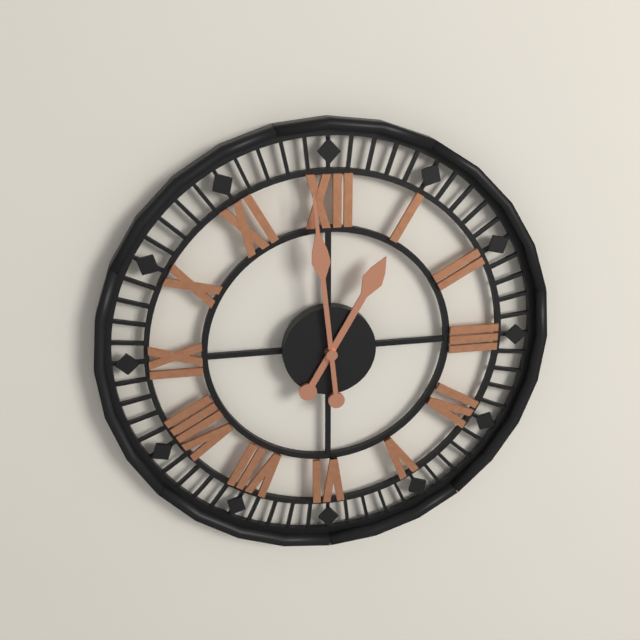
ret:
12,59
